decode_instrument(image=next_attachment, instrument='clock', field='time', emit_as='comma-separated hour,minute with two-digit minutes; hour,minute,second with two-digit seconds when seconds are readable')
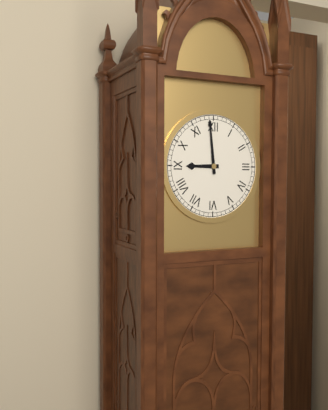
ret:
8,59
